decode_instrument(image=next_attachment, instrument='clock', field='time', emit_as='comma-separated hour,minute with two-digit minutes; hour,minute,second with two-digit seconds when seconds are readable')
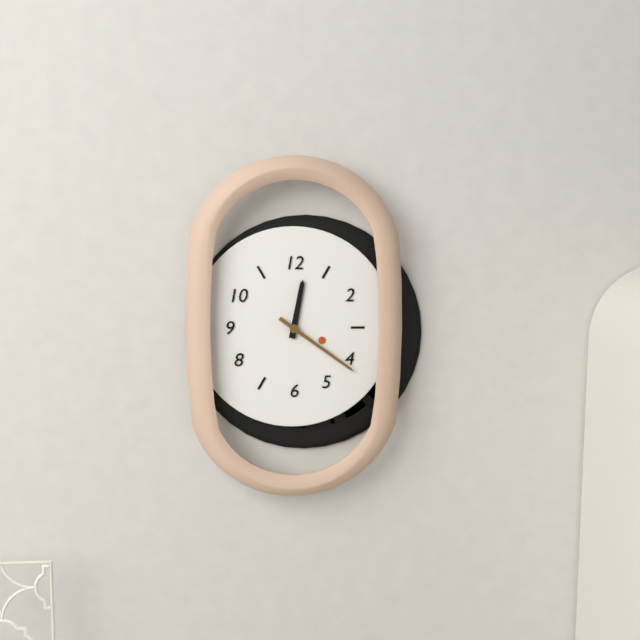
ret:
12,21
